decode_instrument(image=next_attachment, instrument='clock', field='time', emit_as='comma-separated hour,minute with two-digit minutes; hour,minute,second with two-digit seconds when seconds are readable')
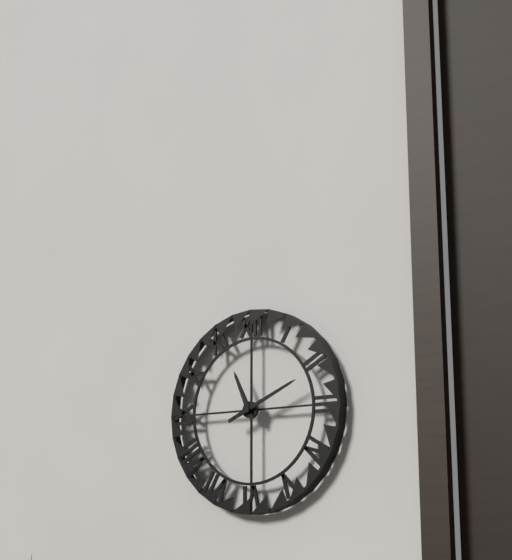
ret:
11,11
